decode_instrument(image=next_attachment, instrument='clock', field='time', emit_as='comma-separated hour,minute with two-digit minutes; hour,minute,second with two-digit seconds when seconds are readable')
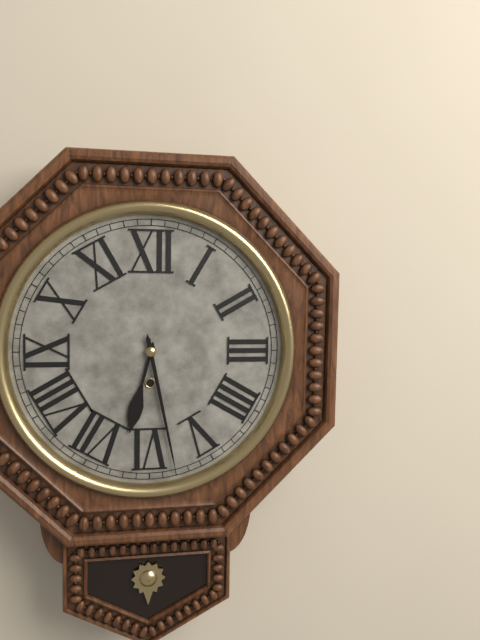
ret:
6,28
